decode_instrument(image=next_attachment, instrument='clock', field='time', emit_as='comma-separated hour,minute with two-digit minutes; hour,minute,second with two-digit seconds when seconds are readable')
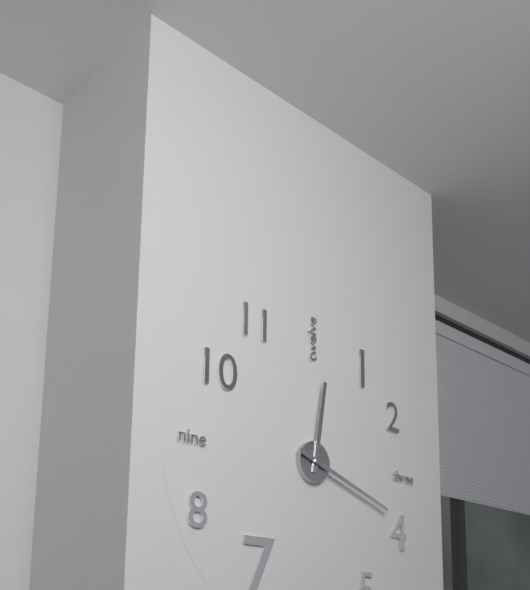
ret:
12,18
